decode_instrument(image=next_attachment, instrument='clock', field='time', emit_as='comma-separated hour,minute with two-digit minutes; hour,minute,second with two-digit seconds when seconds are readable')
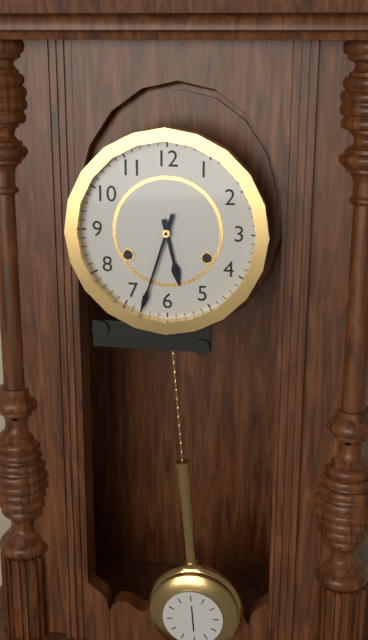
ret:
5,33
